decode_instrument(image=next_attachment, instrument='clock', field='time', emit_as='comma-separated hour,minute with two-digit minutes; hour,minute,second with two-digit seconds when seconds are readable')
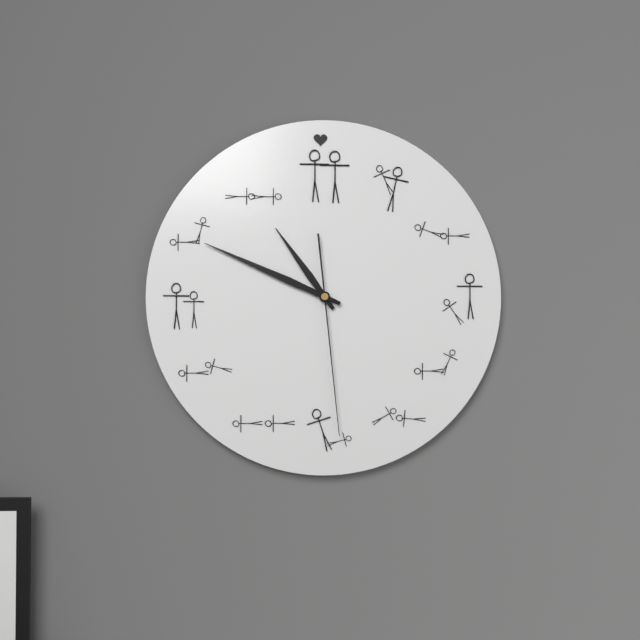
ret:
10,49,29
